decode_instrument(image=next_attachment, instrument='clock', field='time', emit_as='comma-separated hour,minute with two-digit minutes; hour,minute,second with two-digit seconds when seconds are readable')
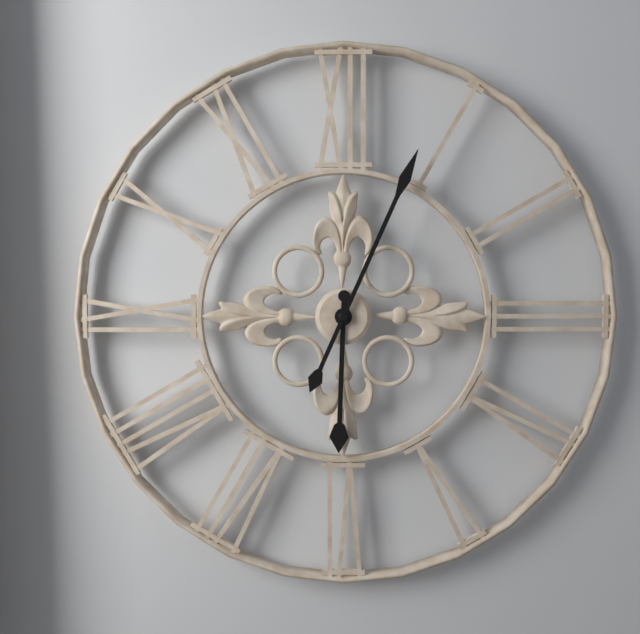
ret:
6,04
